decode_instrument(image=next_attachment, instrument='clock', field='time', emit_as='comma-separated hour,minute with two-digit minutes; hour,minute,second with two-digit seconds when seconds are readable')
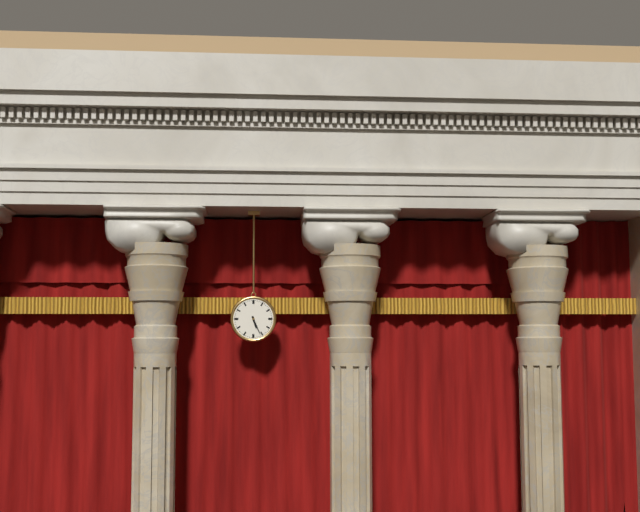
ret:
5,26
